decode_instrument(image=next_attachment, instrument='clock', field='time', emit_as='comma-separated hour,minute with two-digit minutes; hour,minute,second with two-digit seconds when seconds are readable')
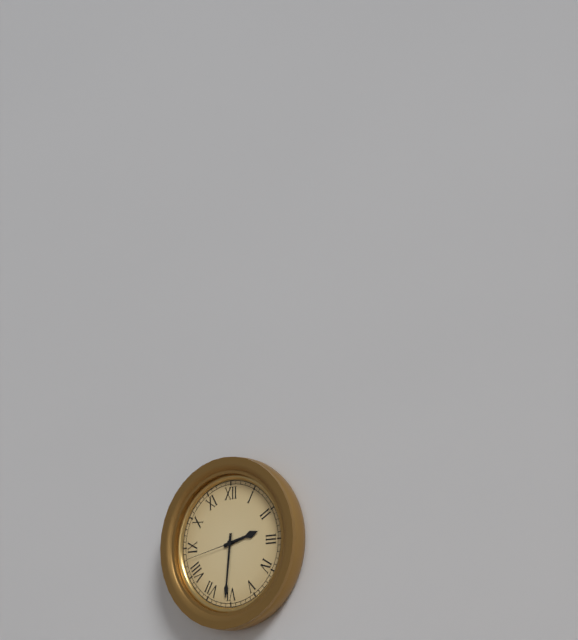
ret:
2,31,43
